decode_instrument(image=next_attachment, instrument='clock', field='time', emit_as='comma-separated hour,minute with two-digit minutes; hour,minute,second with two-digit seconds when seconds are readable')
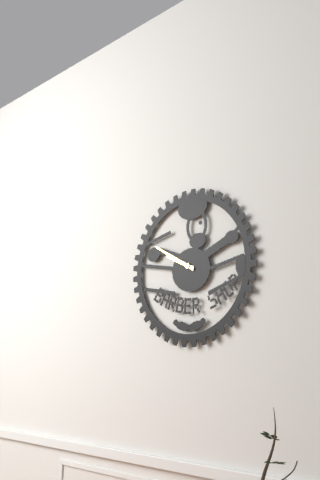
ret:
9,50
